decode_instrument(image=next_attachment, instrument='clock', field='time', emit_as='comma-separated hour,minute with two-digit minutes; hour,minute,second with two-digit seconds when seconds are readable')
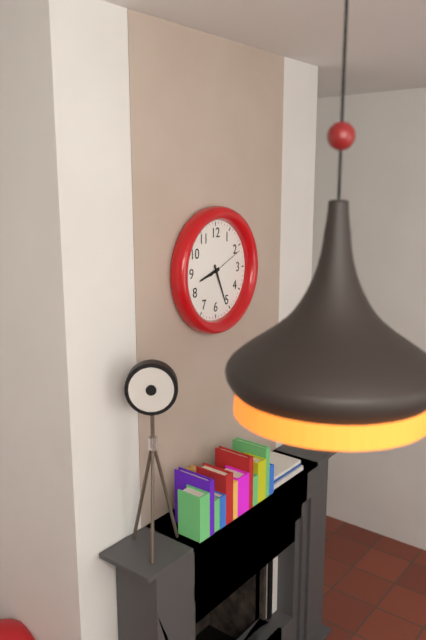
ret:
8,26
